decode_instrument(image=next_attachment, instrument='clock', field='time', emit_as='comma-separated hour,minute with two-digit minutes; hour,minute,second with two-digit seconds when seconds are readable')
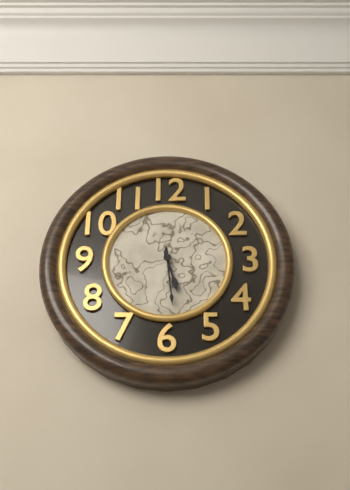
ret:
5,29
